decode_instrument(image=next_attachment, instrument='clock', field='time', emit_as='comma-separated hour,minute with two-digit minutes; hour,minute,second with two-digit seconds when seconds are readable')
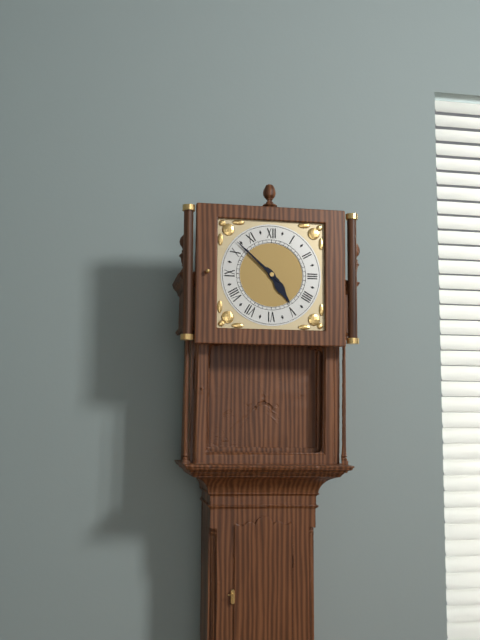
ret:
4,52
